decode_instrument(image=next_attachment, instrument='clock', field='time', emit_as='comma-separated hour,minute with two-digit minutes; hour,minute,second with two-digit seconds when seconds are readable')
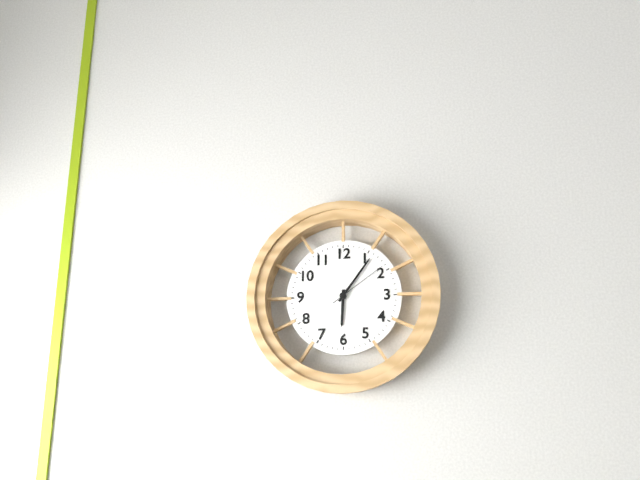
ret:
6,06,09
